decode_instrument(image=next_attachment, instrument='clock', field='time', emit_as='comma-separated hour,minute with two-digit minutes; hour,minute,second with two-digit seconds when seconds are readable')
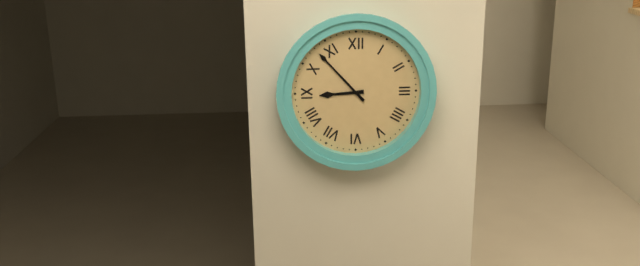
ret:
8,53
